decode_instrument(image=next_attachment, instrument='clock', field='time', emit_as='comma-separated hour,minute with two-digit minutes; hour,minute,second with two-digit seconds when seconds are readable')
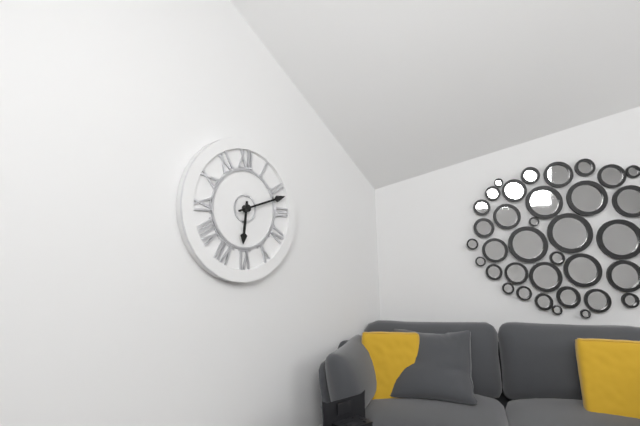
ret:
6,12
